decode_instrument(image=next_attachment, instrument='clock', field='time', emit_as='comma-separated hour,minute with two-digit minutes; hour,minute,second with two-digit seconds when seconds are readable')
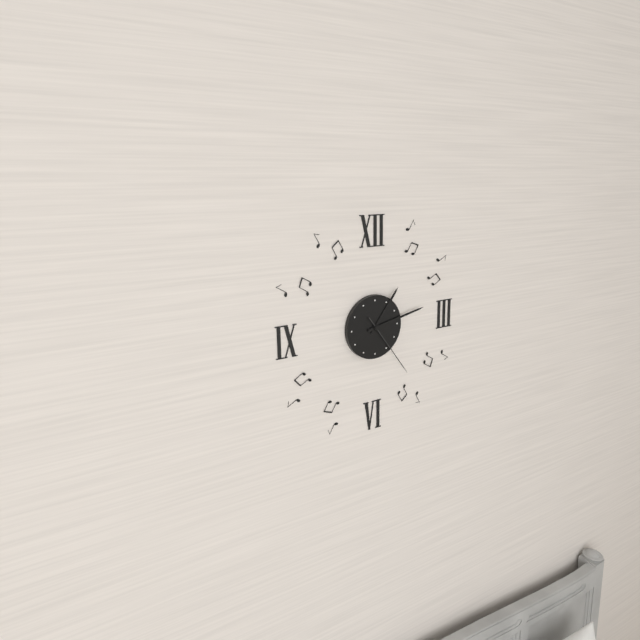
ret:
1,13,24
